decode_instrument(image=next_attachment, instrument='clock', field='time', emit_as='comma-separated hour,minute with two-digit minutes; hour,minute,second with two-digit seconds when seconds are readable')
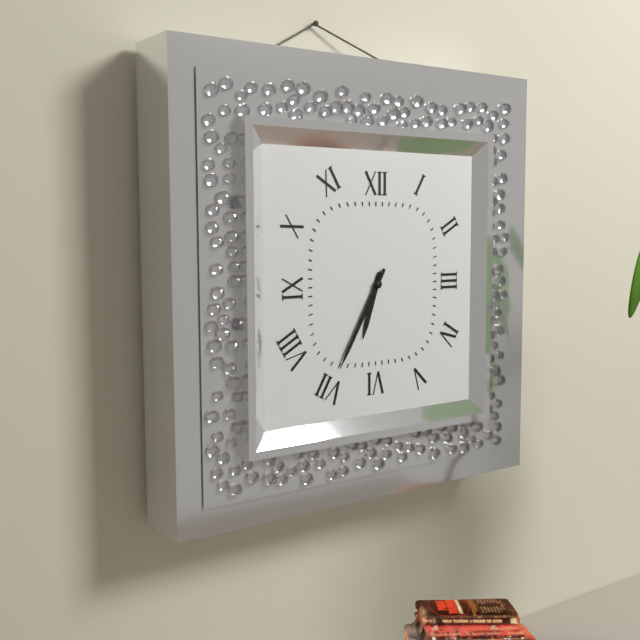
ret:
6,35
